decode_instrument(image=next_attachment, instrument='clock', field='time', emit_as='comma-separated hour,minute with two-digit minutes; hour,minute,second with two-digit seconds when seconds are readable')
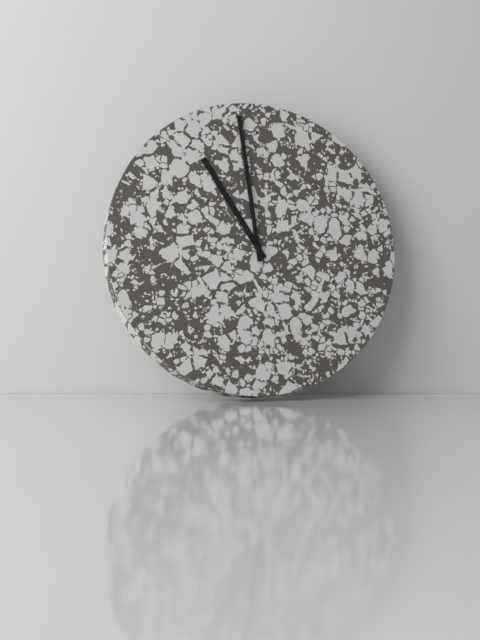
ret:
10,59
